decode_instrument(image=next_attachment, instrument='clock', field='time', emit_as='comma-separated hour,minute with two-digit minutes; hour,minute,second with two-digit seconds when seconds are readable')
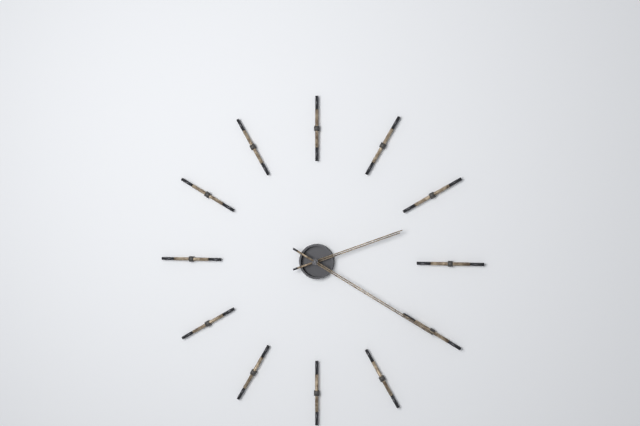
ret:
2,20
